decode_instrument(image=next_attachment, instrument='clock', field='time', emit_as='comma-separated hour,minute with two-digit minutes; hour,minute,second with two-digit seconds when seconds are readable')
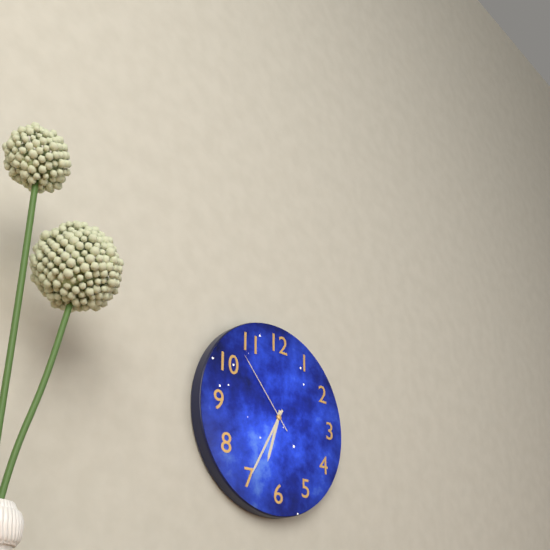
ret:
6,35,53
